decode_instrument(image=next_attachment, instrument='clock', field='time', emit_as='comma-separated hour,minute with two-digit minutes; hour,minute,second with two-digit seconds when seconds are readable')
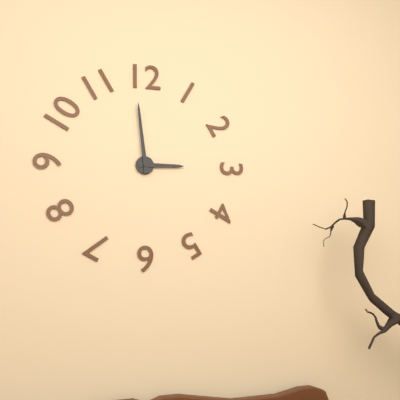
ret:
2,59
